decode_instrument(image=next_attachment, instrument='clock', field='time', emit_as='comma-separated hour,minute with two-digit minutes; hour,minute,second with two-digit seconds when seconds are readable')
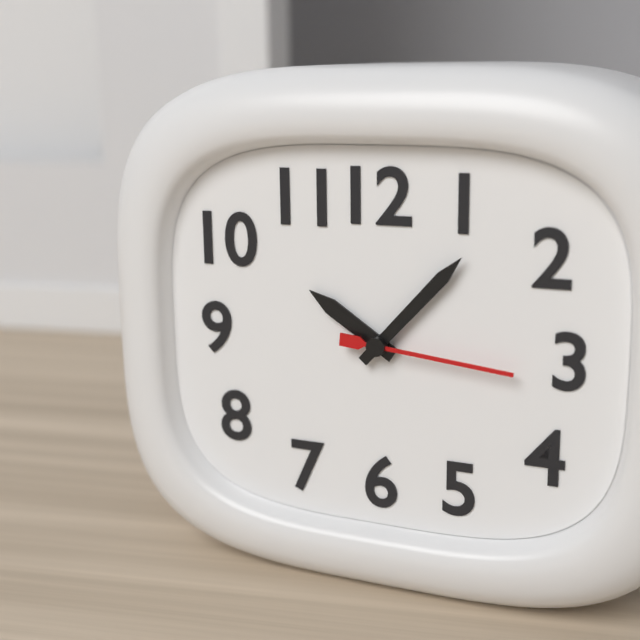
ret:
10,07,16
